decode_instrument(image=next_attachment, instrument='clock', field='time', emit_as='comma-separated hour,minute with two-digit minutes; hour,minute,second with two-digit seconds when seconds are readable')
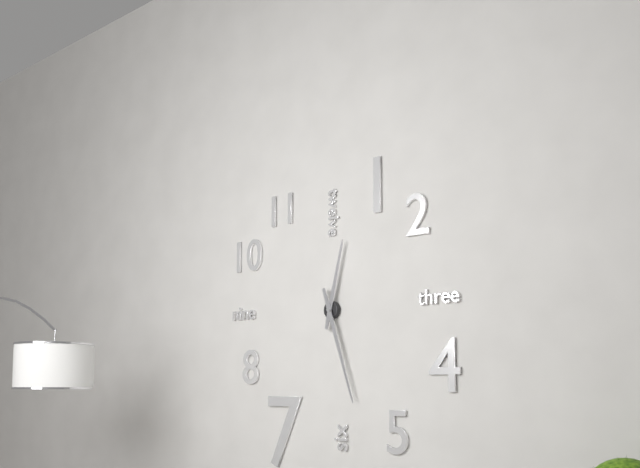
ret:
12,27
